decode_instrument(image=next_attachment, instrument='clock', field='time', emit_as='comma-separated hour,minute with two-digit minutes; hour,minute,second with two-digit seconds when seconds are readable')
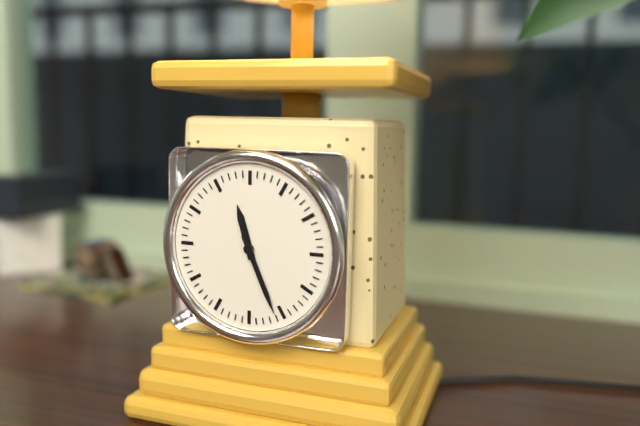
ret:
11,26
